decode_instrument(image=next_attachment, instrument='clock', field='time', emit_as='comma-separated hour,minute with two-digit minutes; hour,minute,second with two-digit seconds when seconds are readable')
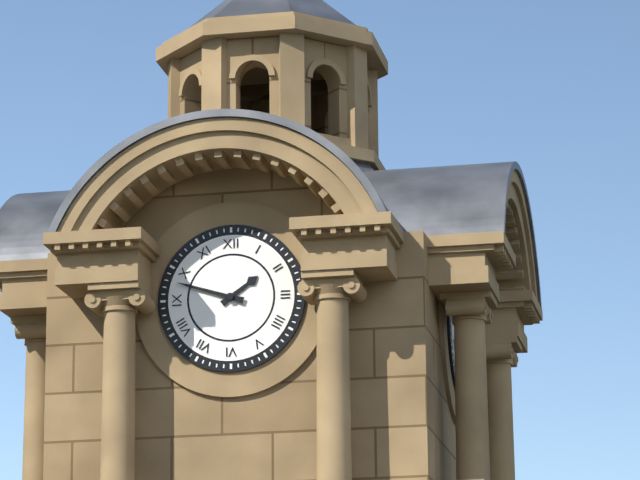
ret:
1,48
